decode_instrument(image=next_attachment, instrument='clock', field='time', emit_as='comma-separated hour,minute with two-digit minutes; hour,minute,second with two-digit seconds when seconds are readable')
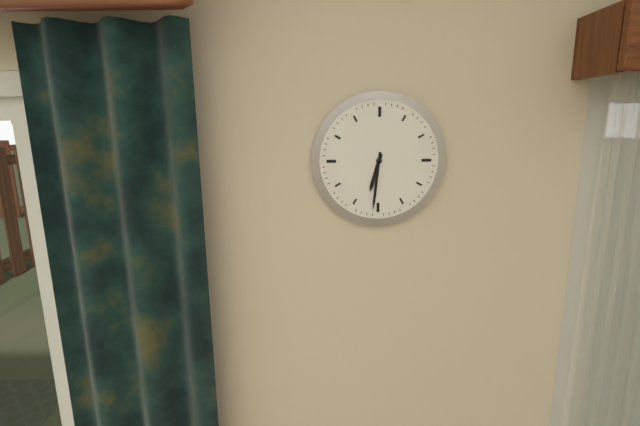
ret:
6,31
